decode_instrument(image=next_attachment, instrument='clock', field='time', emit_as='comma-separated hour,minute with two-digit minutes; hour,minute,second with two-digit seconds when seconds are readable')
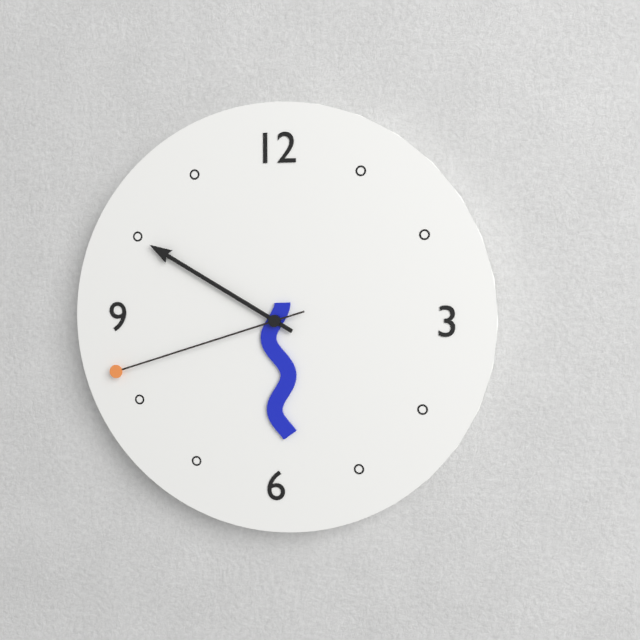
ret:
5,50,42
